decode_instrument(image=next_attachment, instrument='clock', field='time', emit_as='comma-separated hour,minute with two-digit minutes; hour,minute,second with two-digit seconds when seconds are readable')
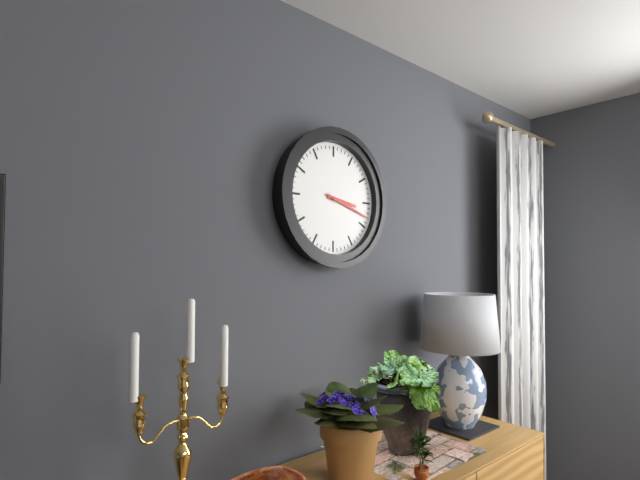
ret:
3,18
